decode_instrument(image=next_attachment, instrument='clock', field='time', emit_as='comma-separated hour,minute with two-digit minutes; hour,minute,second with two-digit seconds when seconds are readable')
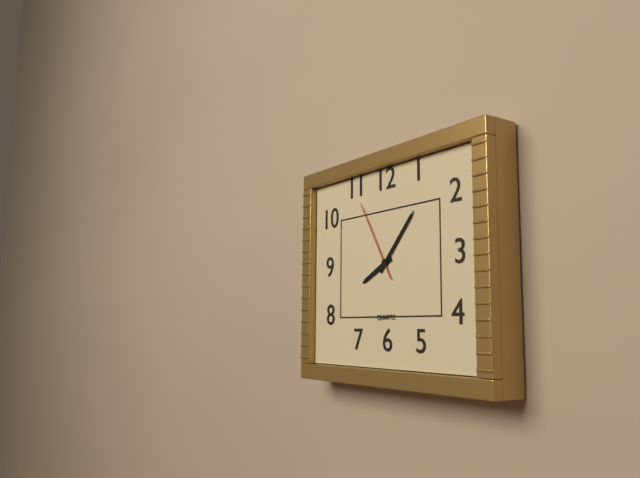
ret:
8,07,55
